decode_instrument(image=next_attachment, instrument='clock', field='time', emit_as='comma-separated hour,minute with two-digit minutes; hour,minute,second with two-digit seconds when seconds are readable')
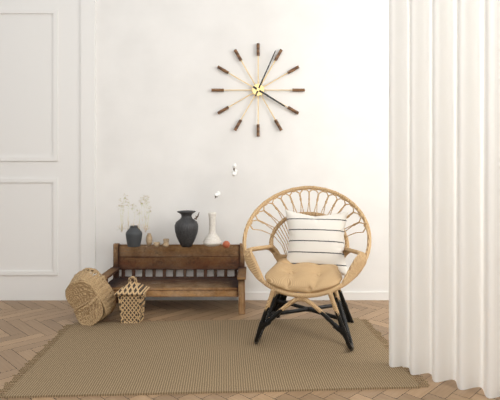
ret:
4,04
